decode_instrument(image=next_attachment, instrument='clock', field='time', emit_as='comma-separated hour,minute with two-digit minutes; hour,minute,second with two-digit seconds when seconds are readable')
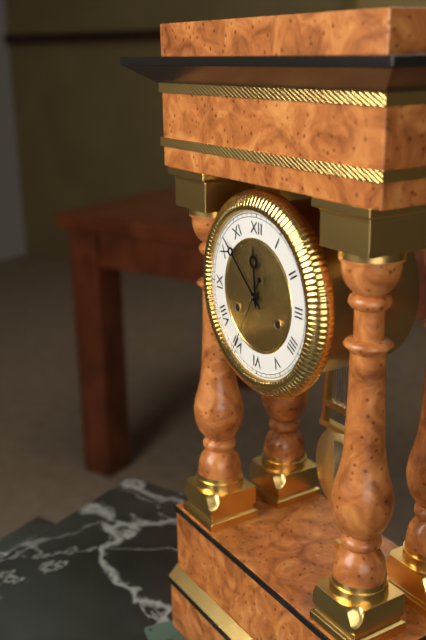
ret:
11,52,35
